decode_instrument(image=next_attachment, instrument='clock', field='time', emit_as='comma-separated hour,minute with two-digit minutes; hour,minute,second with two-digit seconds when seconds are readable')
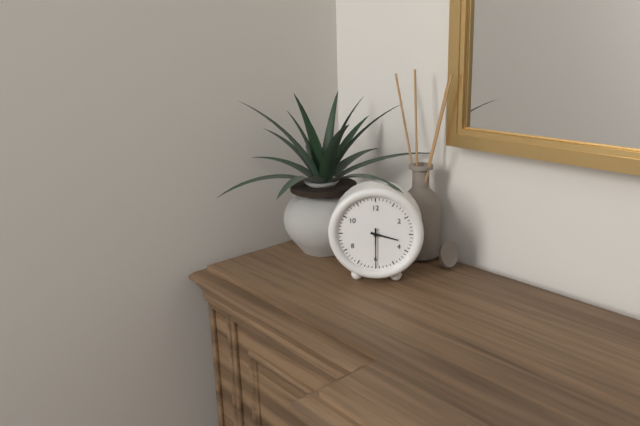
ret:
3,30
